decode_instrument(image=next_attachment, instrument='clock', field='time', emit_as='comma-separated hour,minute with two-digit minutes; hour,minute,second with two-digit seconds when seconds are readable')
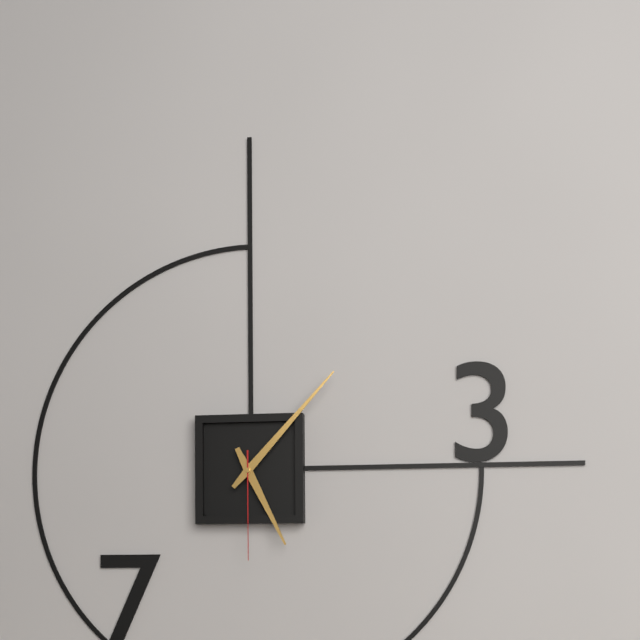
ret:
5,07,30
